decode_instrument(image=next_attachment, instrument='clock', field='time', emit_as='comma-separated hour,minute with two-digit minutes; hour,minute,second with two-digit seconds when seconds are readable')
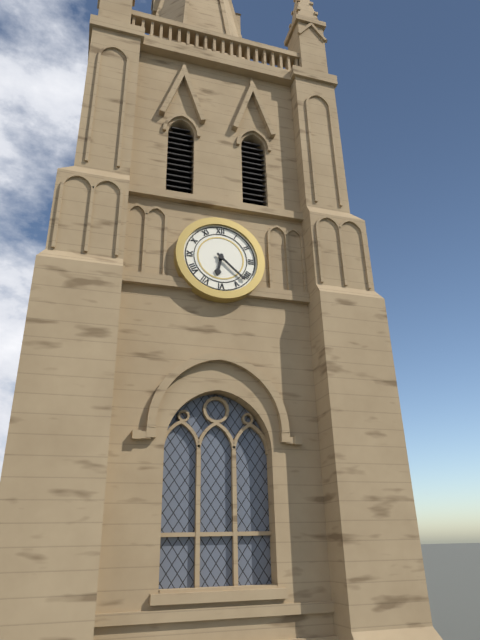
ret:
6,22
